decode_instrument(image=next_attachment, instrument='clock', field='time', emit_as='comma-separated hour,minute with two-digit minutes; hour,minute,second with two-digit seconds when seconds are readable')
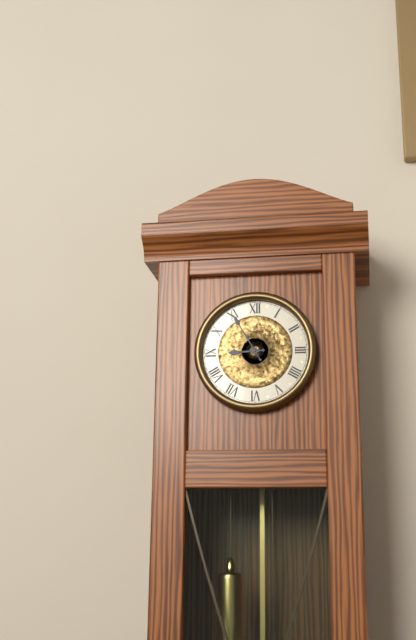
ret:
8,55
